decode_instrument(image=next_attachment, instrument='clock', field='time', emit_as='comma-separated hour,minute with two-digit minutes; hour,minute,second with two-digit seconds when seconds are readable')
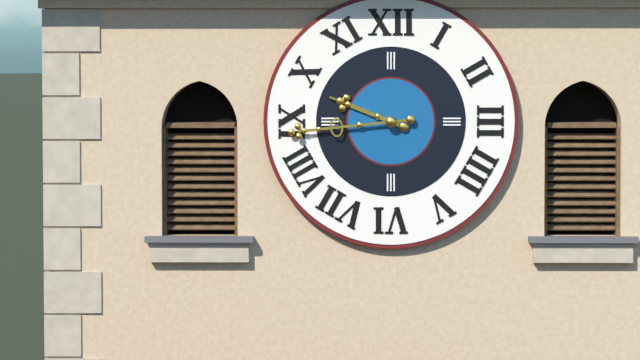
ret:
9,44
